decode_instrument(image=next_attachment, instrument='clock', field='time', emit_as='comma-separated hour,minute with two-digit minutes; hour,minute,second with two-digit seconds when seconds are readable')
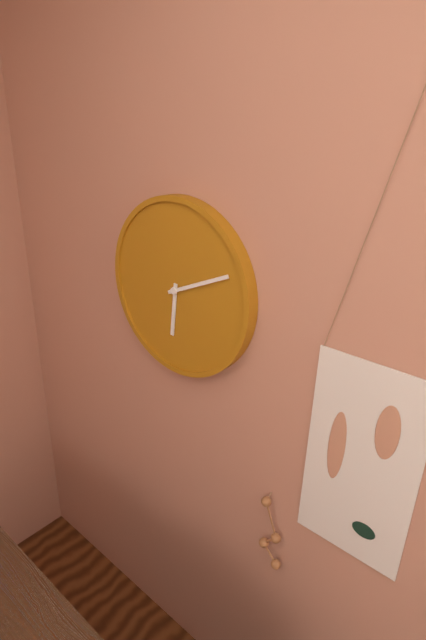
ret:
6,11
